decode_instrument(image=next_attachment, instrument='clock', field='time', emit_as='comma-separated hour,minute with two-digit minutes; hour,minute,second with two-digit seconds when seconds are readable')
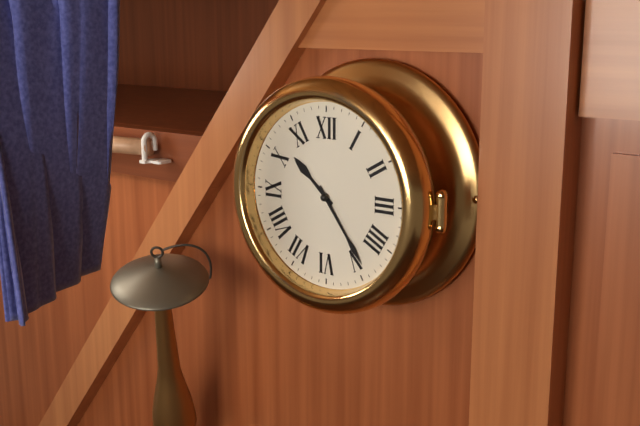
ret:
10,24
